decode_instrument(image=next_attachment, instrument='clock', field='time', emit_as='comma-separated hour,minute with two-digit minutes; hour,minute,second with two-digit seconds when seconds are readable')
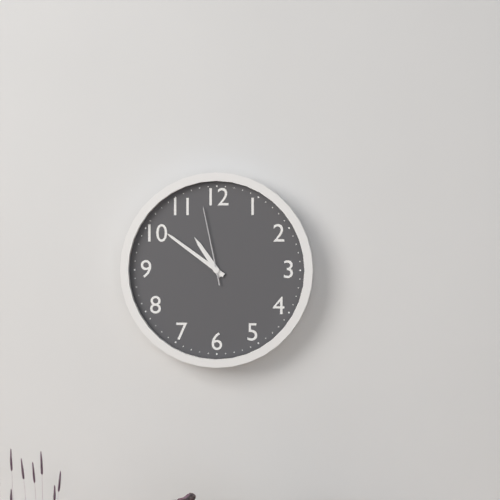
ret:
10,51,58
